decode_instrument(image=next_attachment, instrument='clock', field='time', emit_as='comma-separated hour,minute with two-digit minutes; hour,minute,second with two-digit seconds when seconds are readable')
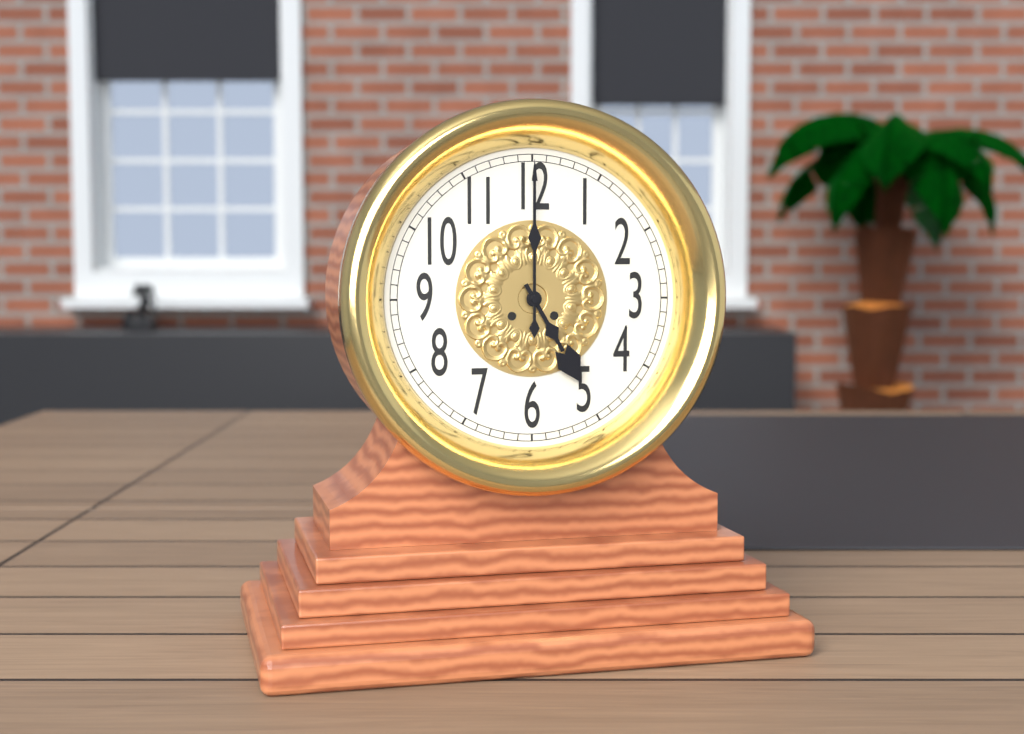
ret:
5,00
